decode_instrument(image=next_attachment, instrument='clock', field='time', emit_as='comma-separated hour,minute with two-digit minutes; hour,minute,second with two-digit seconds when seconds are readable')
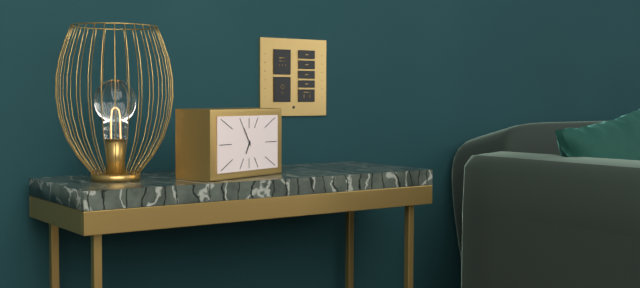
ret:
6,55
